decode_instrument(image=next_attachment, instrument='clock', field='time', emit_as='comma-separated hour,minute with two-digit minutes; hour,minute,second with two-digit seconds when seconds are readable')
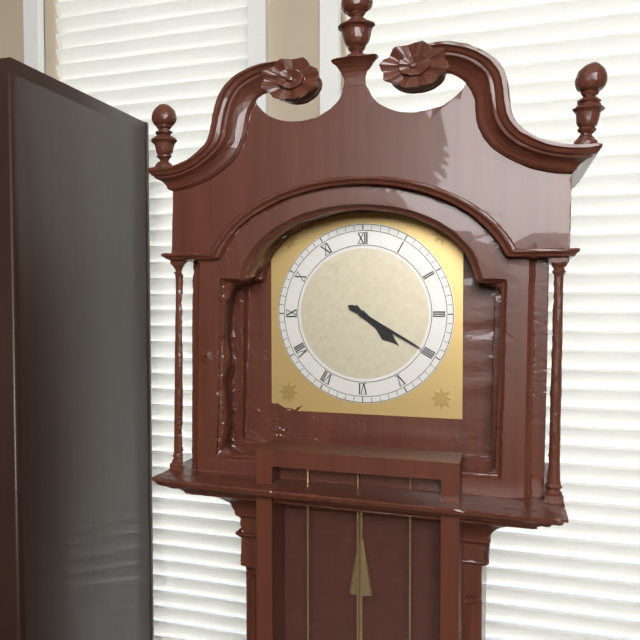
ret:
4,20
